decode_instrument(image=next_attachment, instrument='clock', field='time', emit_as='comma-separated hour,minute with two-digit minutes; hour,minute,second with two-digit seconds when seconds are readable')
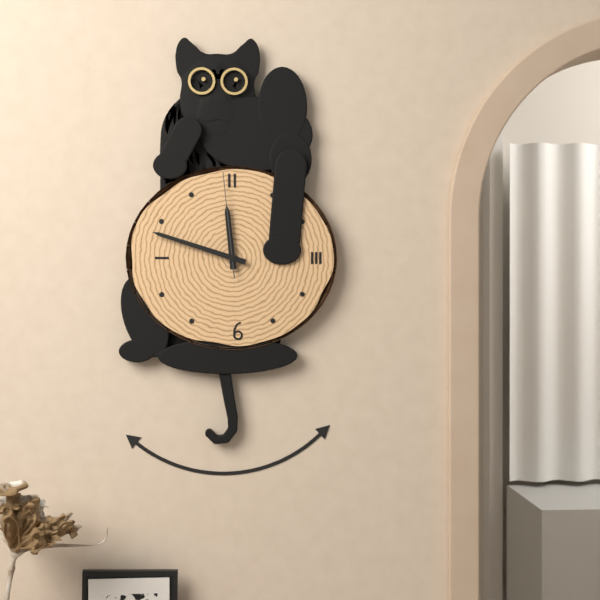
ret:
11,48,59
